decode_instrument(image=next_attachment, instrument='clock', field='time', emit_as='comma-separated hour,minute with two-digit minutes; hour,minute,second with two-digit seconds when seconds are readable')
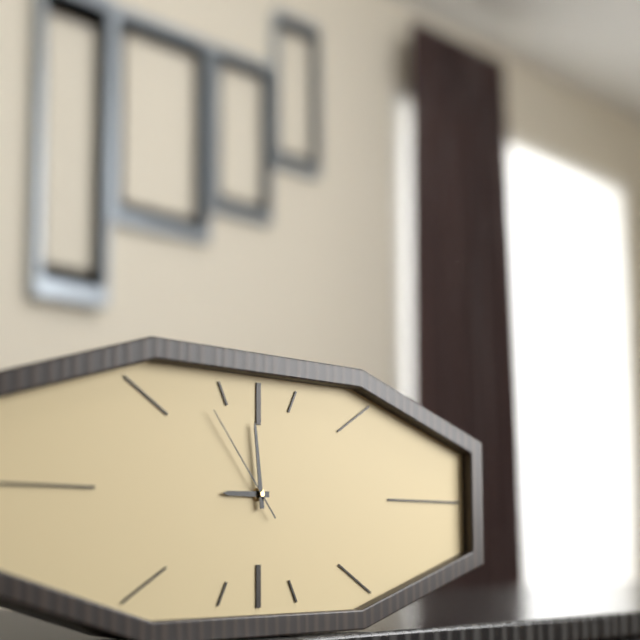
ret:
8,59,54
